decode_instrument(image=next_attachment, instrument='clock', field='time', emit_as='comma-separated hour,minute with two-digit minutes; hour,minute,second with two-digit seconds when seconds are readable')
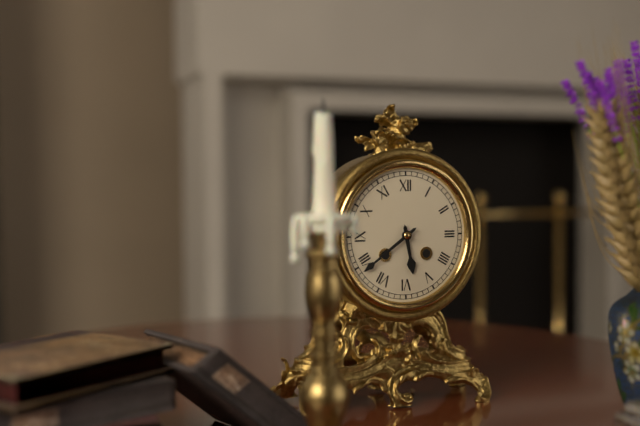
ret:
5,39
